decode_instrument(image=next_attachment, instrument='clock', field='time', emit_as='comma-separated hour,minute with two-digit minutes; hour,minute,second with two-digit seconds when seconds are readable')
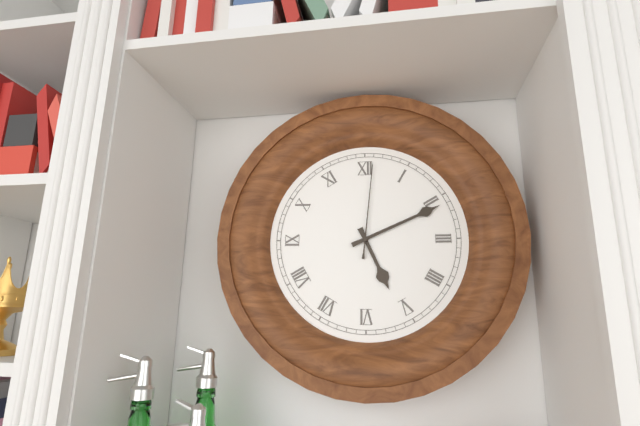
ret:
5,11,01
